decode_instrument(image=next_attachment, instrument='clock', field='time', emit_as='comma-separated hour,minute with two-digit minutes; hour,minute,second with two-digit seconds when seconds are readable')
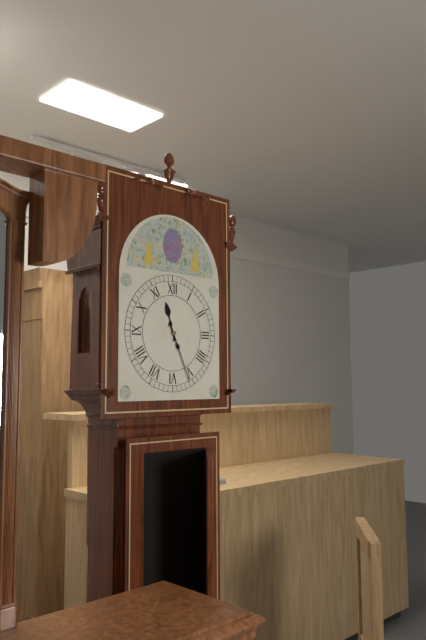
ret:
11,26
